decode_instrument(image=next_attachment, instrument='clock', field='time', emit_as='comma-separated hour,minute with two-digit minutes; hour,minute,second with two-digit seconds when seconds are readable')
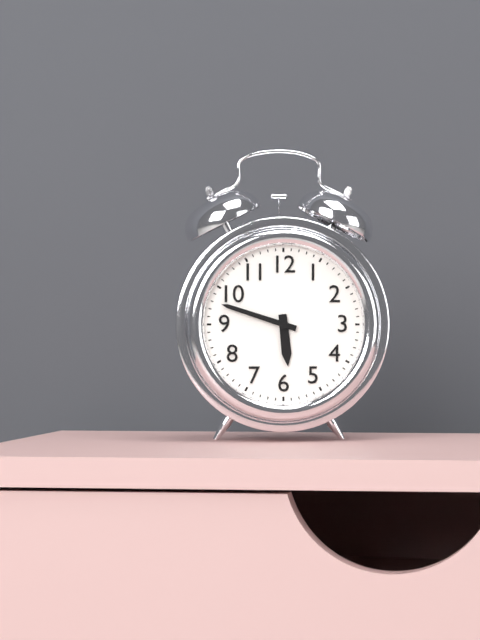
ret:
5,48
